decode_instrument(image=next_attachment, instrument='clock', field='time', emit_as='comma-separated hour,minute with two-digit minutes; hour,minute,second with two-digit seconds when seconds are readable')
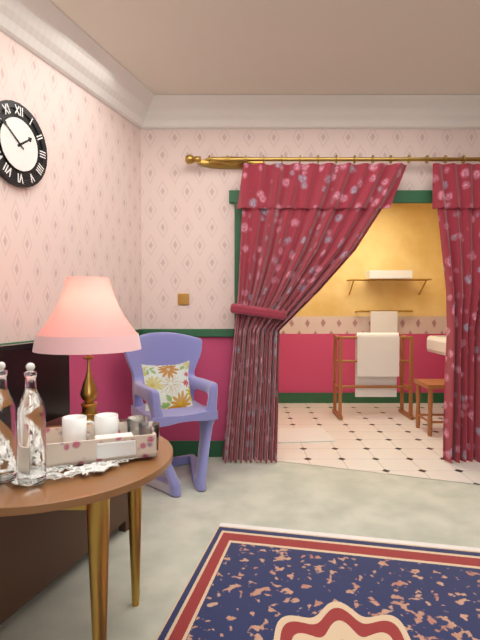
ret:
1,51
